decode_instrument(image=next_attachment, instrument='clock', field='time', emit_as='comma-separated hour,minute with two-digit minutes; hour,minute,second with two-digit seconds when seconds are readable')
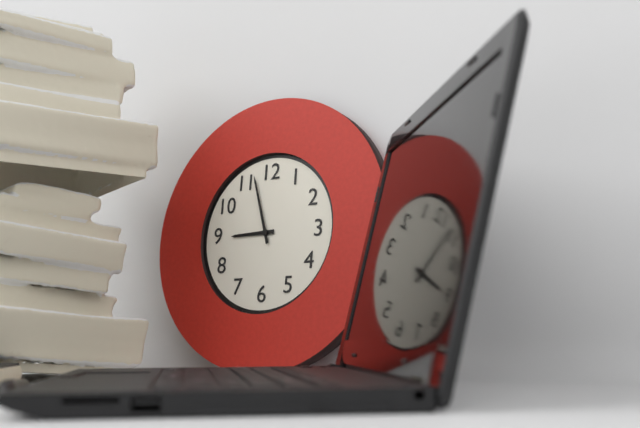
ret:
8,57
